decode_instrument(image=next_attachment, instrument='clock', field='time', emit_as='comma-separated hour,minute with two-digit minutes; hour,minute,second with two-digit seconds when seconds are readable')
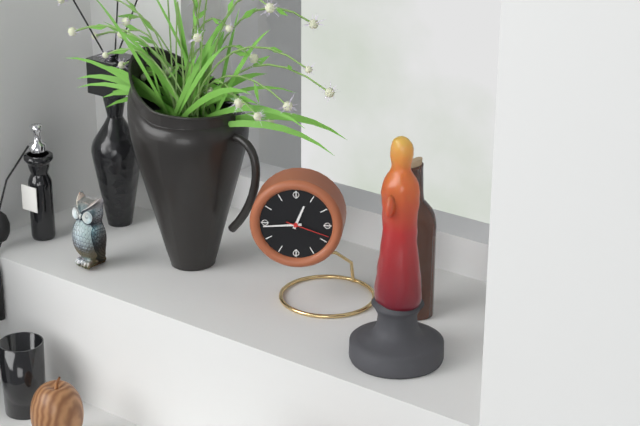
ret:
12,44
